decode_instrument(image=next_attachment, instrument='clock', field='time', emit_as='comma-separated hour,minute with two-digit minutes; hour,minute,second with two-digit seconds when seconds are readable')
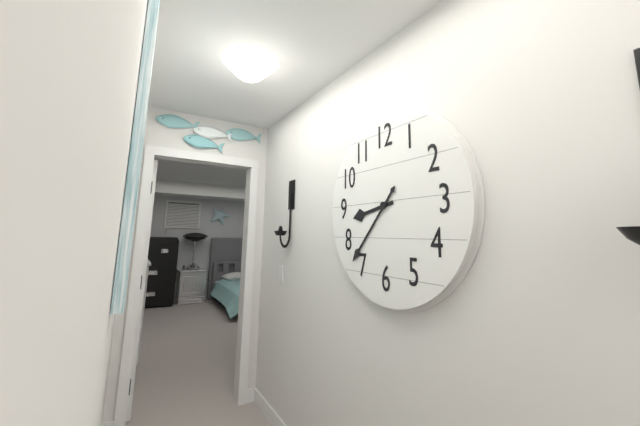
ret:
8,37
